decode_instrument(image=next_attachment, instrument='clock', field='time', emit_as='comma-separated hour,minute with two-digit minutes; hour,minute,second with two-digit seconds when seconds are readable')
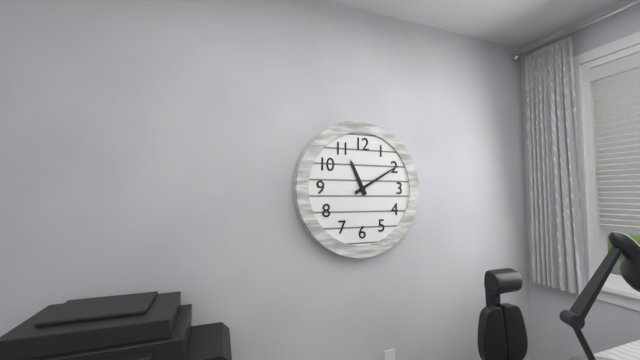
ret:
11,10
